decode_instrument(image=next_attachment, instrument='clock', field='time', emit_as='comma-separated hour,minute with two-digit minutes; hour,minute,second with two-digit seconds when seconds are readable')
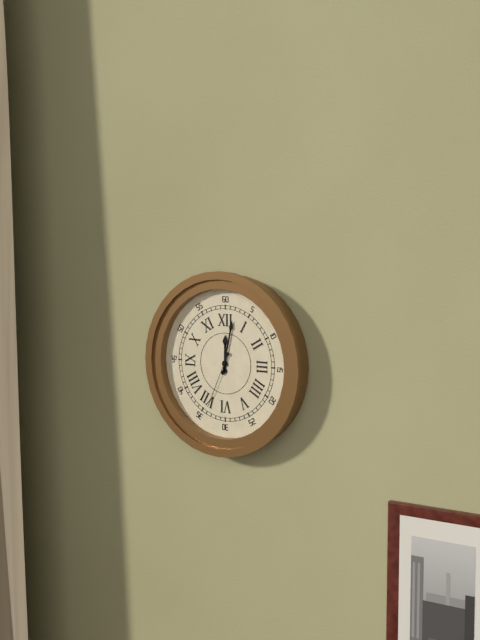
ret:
12,02,34
